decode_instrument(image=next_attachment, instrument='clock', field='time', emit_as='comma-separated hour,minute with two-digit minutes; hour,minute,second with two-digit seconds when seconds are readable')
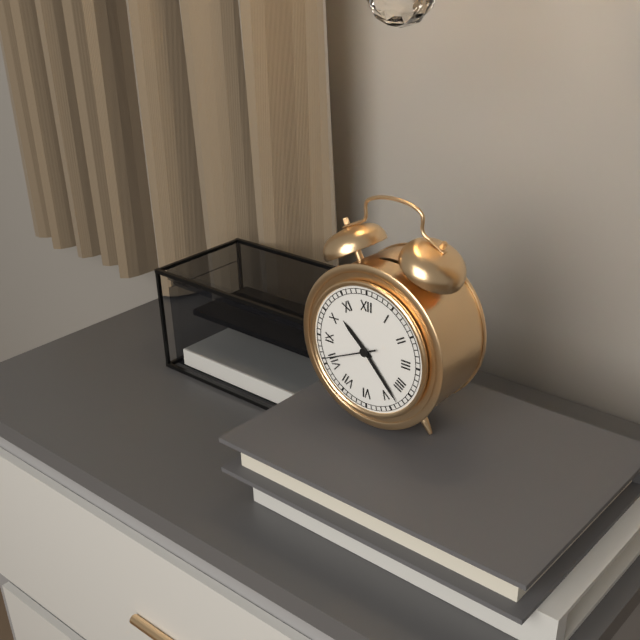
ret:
10,23,41
